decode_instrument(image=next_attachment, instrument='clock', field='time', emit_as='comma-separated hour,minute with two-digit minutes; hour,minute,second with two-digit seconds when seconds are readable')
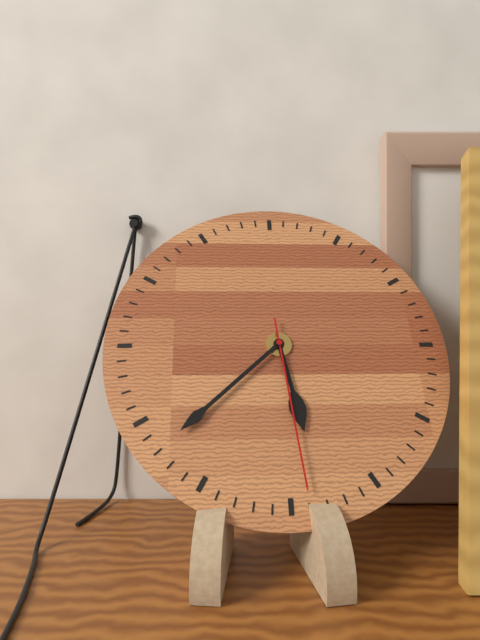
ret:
5,38,29
